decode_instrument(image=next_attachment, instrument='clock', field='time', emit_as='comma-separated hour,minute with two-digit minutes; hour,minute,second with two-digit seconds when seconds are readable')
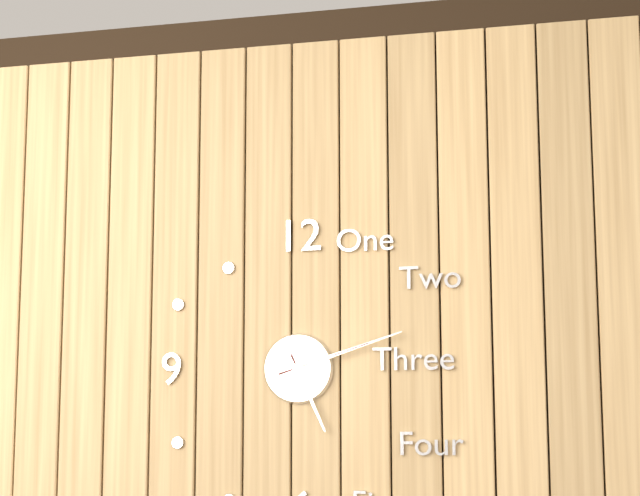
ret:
5,12
